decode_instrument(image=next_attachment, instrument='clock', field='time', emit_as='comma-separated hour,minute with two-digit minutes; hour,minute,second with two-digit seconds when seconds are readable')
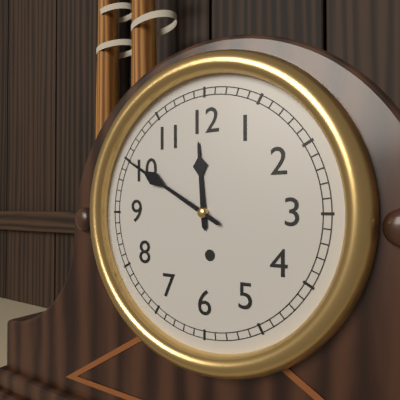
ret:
11,50
